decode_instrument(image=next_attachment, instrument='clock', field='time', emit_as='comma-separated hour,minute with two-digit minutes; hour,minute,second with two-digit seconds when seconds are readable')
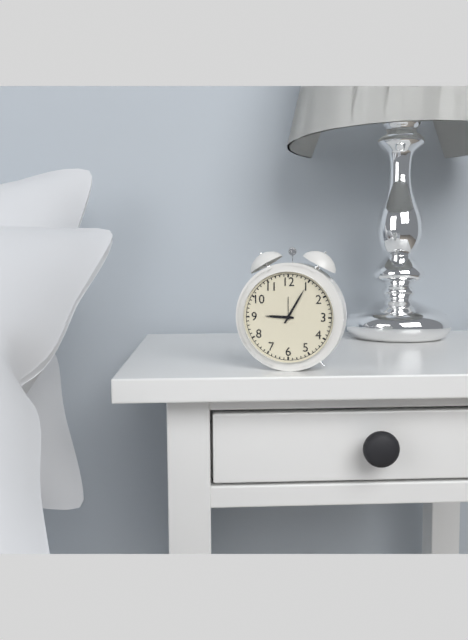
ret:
9,05
